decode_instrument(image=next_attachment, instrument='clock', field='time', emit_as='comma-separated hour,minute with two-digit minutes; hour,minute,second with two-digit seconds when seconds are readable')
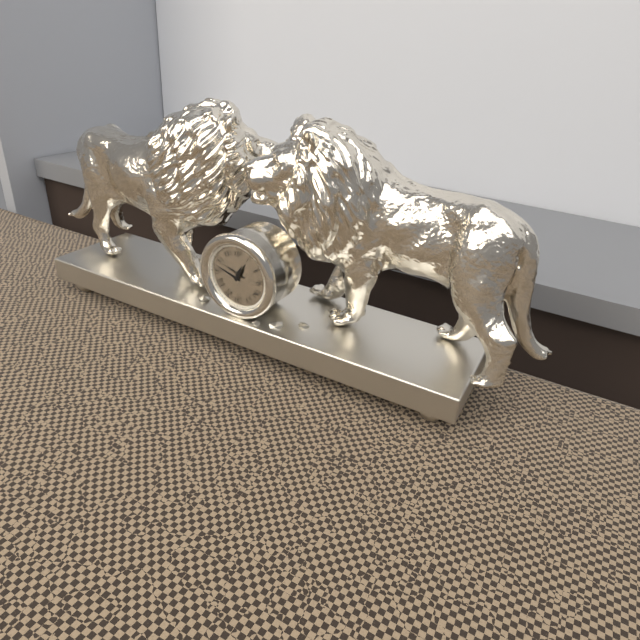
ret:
12,48
